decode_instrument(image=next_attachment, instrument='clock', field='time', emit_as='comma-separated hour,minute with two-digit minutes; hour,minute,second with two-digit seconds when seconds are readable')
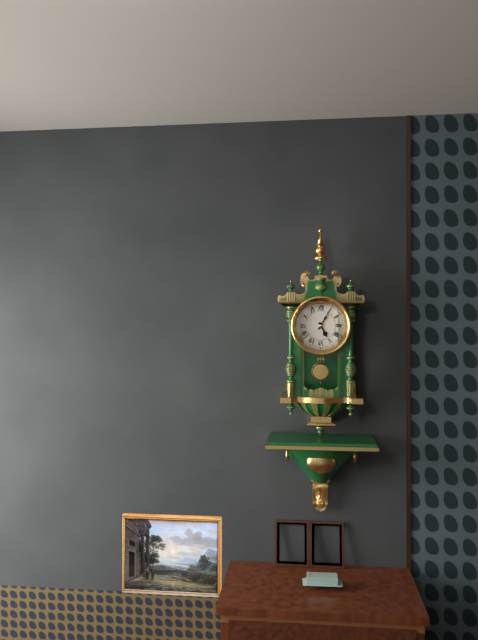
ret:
5,05
